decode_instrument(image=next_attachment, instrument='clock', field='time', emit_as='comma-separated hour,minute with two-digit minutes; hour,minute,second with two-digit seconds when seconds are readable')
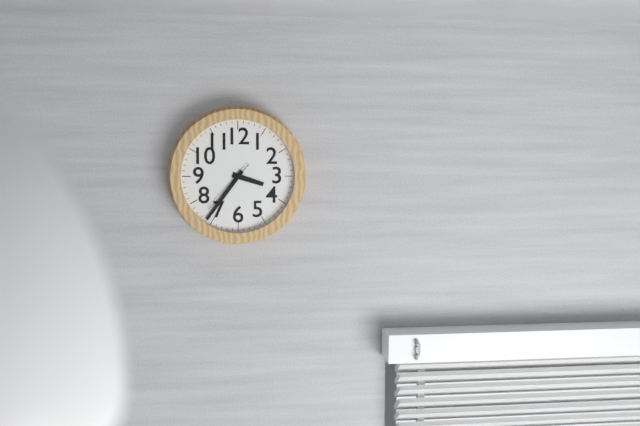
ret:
3,36,37
